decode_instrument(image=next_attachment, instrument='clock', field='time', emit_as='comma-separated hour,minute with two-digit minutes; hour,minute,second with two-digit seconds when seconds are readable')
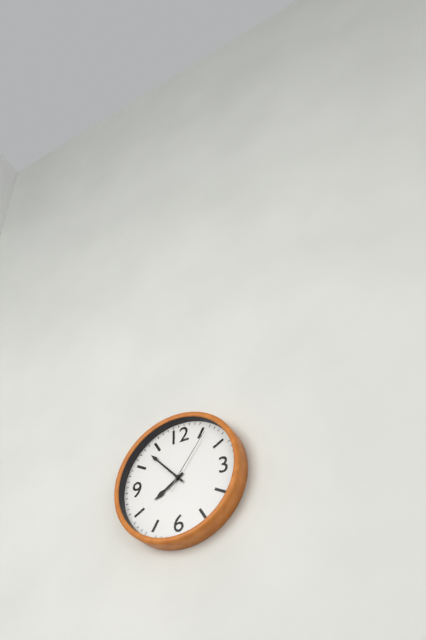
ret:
7,53,06
